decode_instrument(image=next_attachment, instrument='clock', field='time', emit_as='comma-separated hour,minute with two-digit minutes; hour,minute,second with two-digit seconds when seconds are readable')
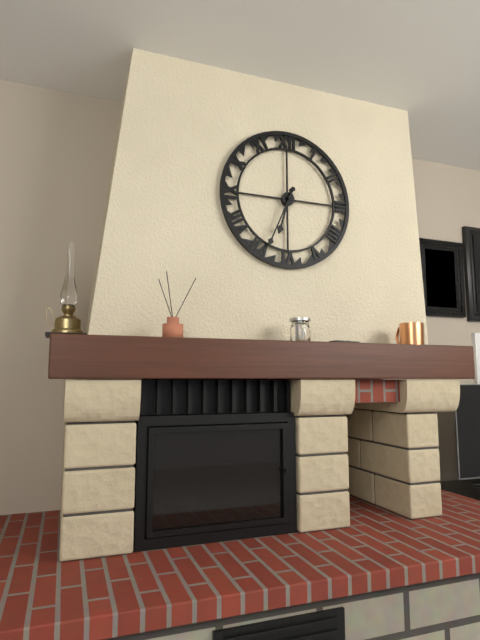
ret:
6,34
